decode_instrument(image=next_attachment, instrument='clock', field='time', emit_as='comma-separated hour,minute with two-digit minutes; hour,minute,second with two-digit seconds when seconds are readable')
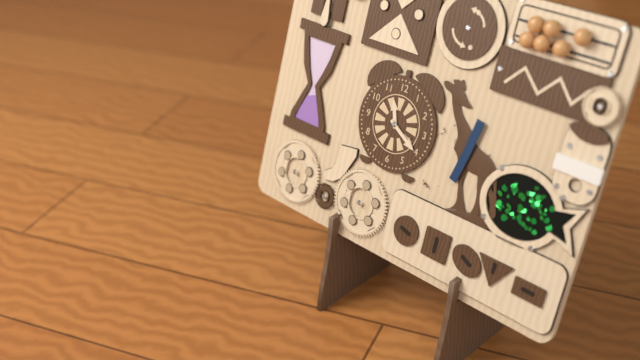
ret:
11,20
